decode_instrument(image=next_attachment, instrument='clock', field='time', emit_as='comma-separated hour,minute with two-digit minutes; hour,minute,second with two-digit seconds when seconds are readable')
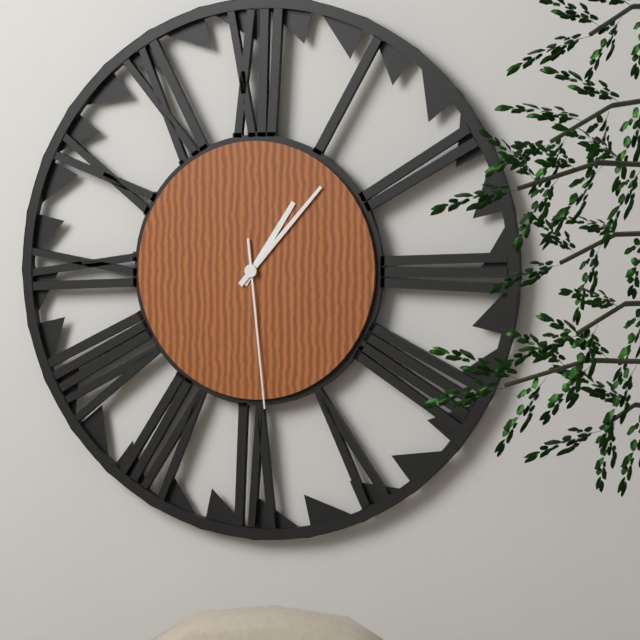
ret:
1,07,29
